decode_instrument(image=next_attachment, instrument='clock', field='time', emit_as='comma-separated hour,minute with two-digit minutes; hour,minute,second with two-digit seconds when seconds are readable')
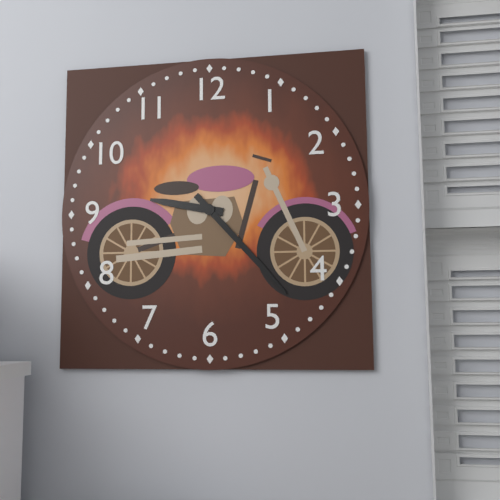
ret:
9,23
